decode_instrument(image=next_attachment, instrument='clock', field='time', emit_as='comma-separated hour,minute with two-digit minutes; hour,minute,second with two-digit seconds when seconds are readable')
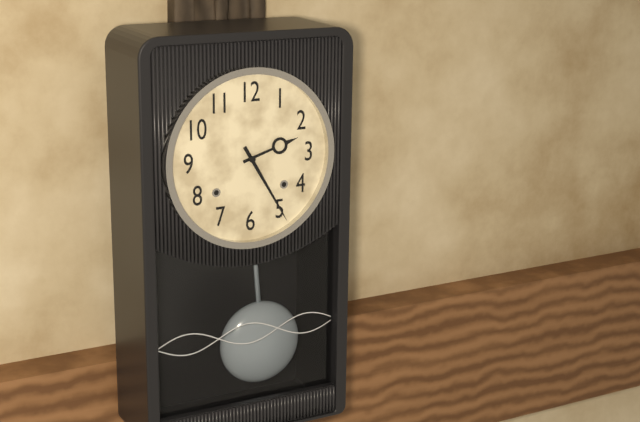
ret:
2,25
